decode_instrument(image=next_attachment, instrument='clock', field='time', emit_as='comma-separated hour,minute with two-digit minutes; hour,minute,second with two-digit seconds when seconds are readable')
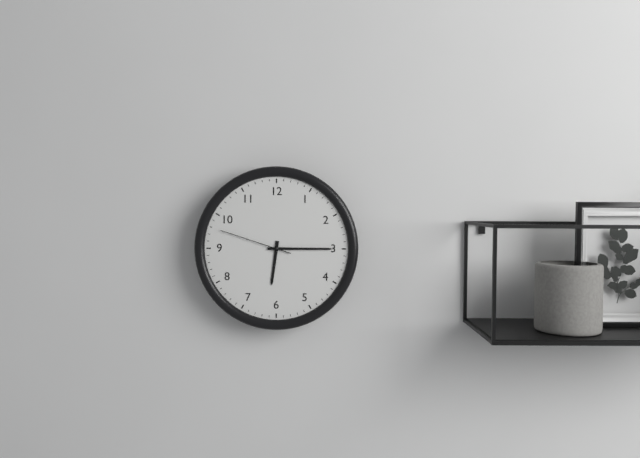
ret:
6,15,48
